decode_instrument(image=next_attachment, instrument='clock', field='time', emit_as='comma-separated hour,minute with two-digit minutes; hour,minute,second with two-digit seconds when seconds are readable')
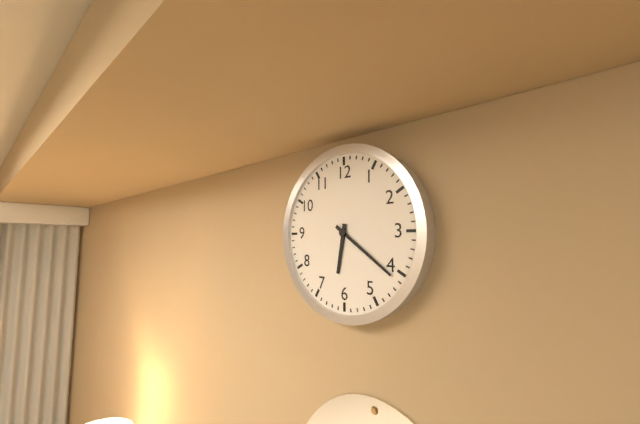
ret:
6,21
